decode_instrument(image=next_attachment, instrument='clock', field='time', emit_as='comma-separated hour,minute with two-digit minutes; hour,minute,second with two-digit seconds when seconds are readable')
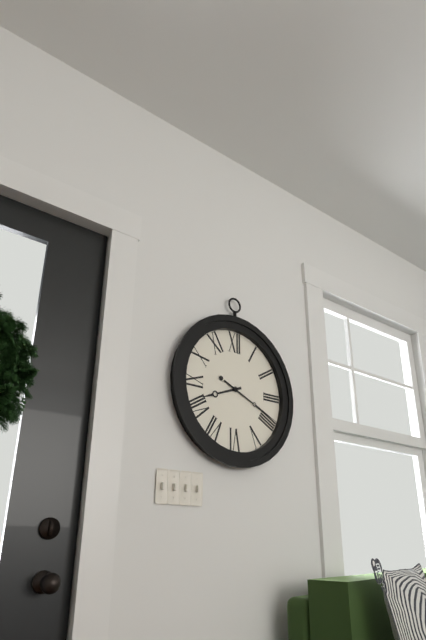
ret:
8,19
